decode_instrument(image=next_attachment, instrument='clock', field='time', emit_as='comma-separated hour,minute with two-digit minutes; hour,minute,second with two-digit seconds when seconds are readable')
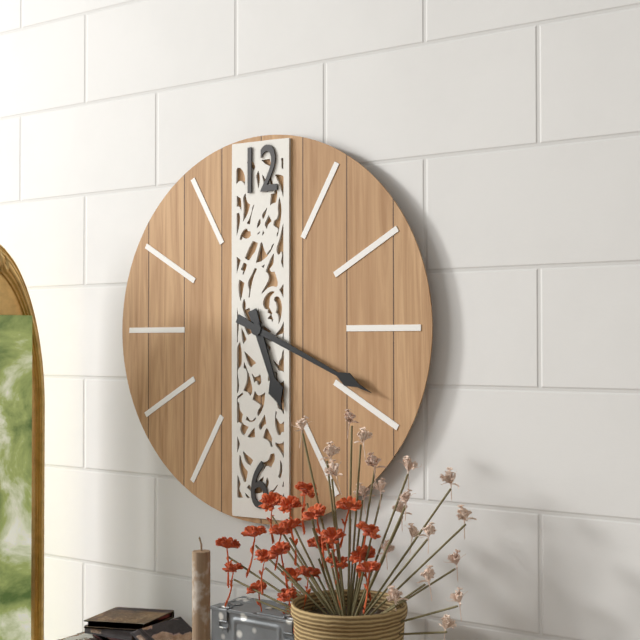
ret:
5,19
